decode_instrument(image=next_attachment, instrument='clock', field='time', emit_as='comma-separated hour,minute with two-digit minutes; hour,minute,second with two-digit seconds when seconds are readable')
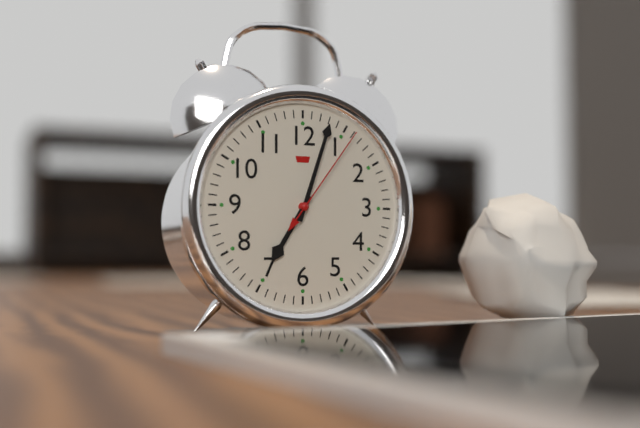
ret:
7,03,06
